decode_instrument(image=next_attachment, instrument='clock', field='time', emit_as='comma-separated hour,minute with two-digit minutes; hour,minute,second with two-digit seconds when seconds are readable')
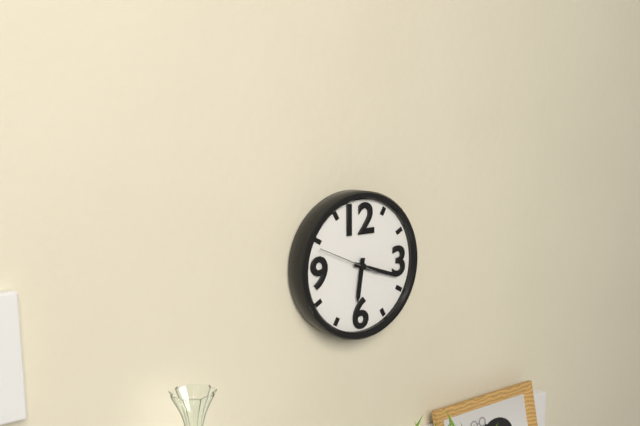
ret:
6,18,49
